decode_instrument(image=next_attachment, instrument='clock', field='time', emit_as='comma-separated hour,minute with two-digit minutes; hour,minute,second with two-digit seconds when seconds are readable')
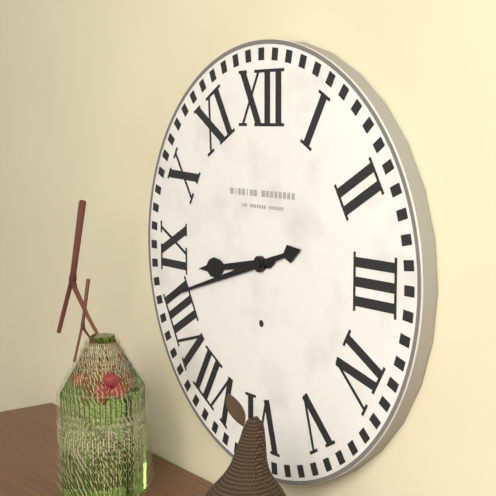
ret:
8,42
